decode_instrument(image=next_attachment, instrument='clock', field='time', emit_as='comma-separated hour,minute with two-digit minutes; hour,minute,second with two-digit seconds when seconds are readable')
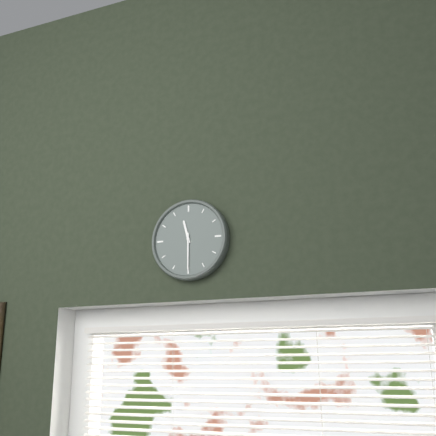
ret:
11,30
